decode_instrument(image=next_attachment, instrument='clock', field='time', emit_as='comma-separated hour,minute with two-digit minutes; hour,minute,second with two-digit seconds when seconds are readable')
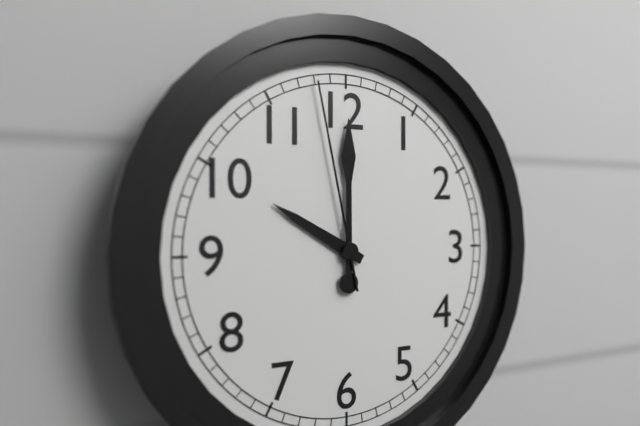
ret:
10,00,58
